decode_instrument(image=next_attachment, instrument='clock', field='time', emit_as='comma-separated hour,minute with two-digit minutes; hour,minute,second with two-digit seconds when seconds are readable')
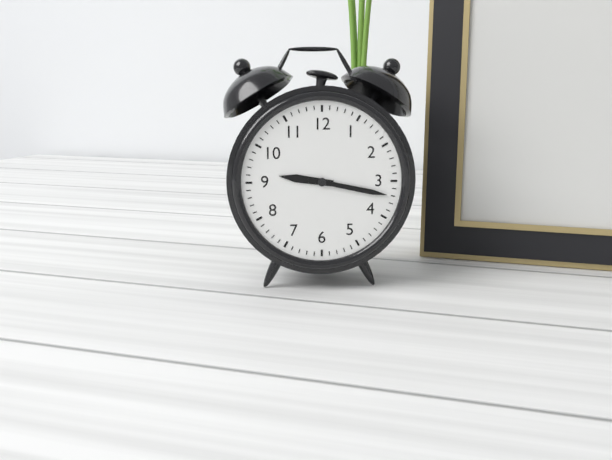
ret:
9,17
